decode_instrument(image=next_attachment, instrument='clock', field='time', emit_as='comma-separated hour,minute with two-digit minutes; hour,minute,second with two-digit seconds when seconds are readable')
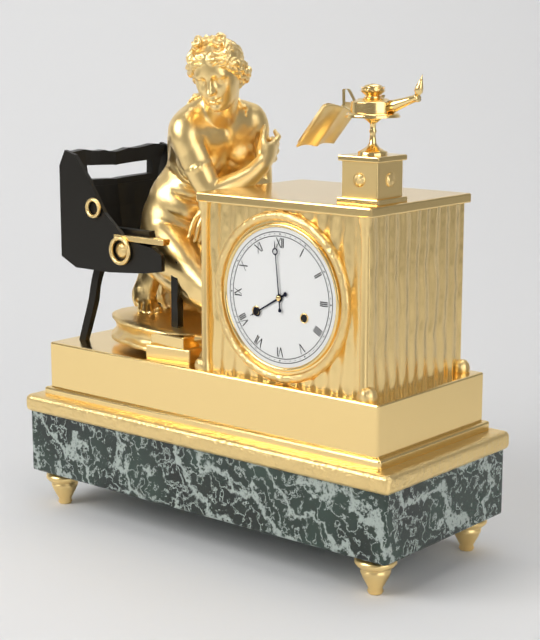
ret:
7,59
